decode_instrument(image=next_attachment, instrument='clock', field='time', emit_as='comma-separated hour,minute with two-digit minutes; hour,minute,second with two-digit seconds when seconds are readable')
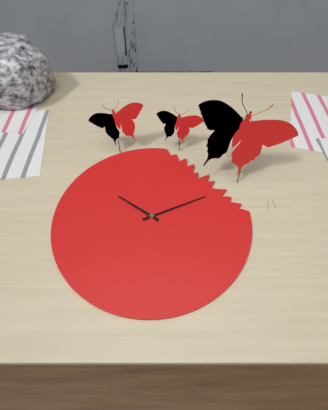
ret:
10,11
